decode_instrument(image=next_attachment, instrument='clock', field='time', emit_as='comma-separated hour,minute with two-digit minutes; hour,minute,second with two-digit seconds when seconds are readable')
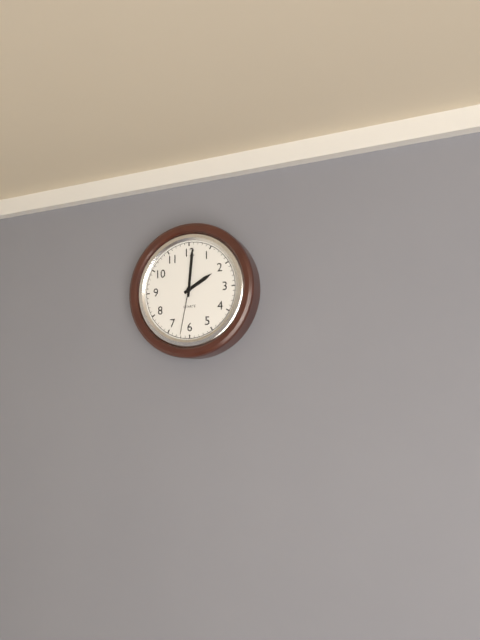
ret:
2,01,32
